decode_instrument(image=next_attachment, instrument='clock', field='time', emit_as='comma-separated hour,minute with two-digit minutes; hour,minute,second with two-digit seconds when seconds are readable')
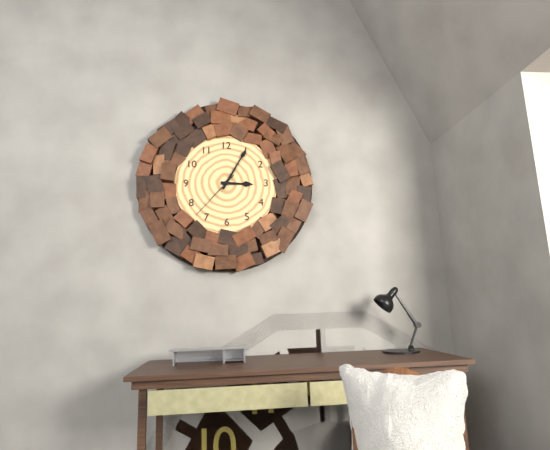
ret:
3,05,37
